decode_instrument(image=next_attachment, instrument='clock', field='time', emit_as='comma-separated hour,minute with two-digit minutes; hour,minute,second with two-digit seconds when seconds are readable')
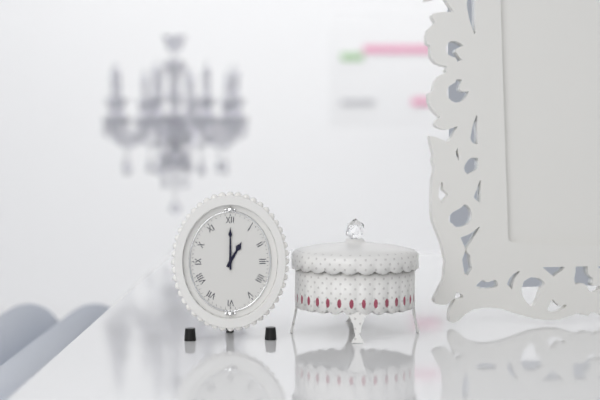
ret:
1,00
